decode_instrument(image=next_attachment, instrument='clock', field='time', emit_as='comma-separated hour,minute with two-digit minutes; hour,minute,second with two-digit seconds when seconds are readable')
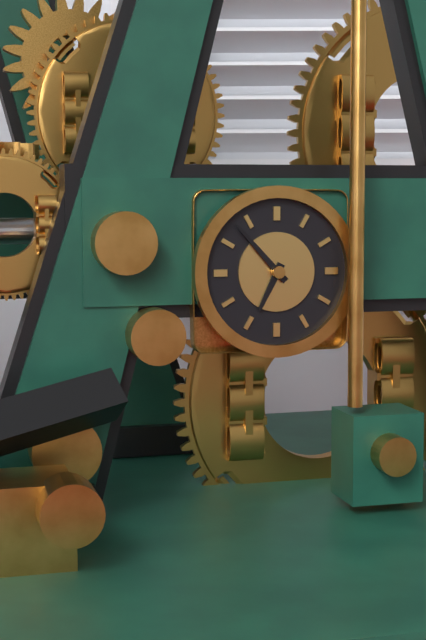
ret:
6,53
